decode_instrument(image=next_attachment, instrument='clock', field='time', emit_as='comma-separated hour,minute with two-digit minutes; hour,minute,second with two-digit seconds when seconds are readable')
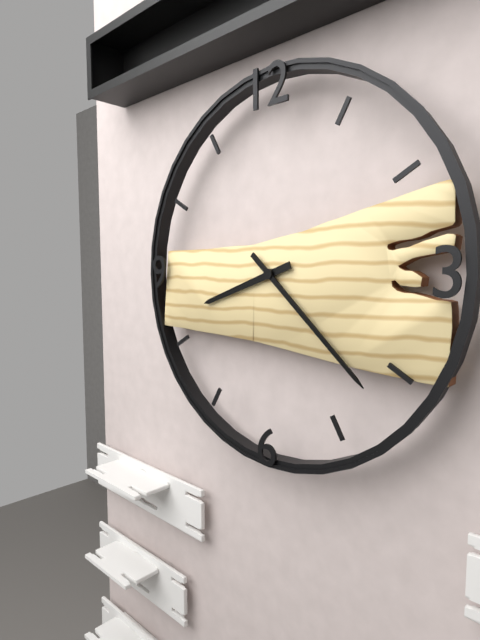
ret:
8,22
